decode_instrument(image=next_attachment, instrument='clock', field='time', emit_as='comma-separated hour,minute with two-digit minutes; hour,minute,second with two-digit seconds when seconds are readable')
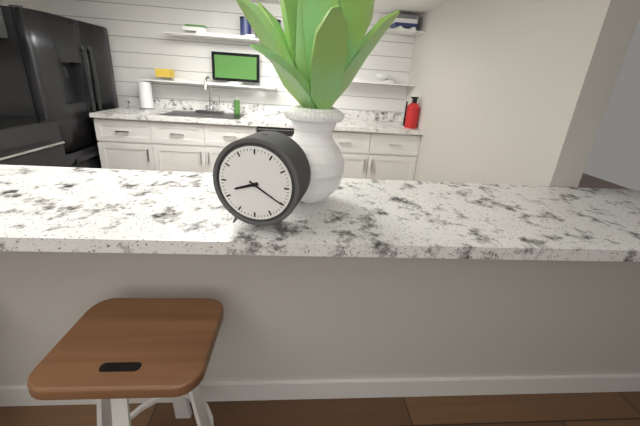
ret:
8,20
